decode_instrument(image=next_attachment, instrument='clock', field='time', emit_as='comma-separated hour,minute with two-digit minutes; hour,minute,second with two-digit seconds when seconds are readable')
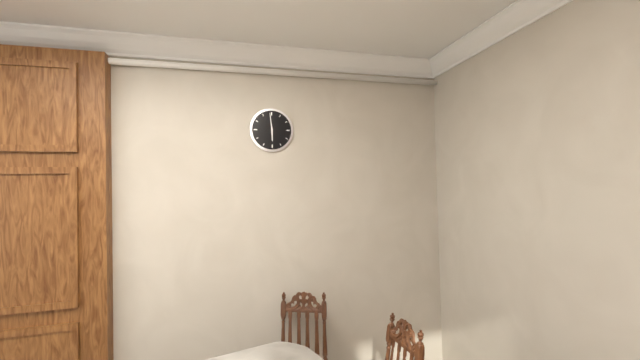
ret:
5,59
